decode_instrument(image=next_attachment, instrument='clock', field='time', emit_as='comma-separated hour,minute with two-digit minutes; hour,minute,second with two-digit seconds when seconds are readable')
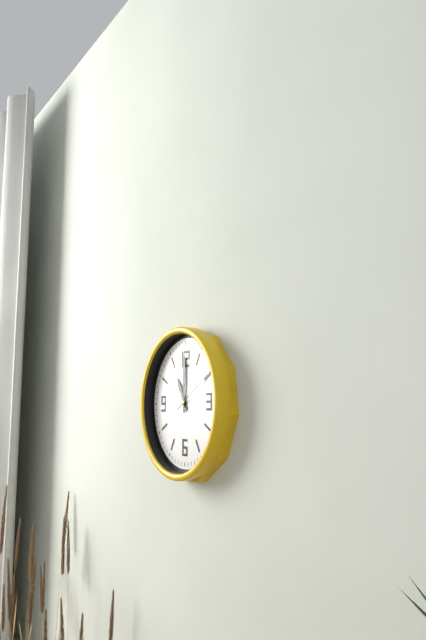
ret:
11,00
